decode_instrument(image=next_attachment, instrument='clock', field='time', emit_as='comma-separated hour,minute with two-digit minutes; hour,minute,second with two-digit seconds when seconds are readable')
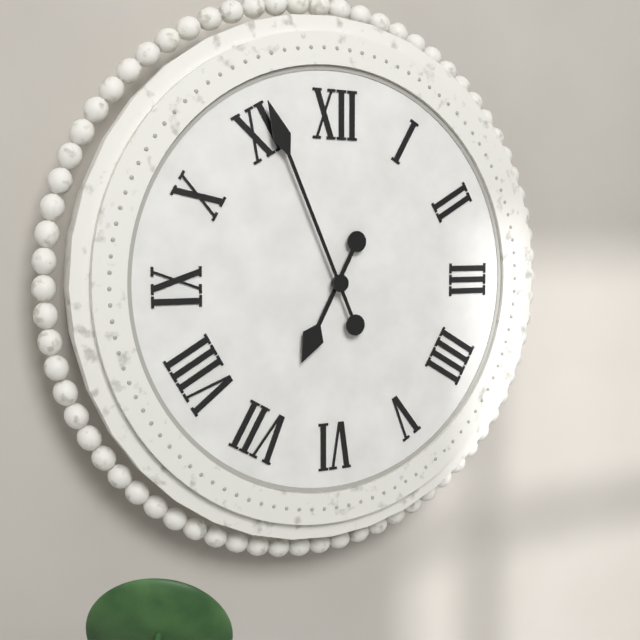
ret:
6,56
